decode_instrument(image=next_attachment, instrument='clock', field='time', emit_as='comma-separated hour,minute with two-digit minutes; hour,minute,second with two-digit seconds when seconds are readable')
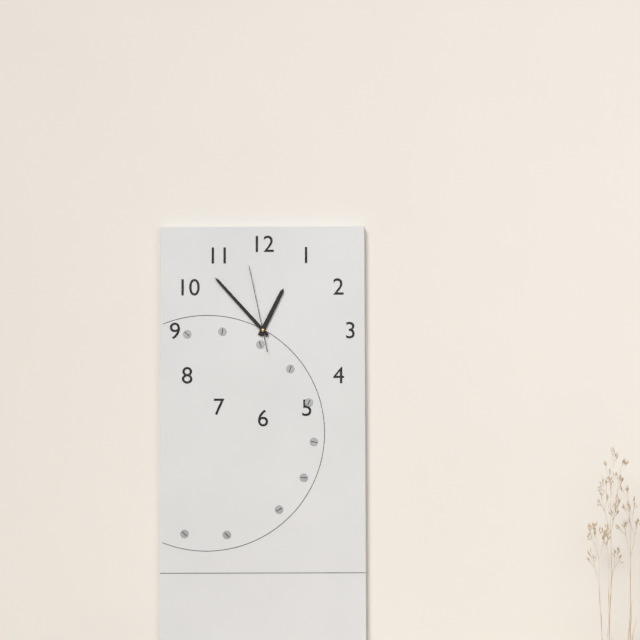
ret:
12,53,58
